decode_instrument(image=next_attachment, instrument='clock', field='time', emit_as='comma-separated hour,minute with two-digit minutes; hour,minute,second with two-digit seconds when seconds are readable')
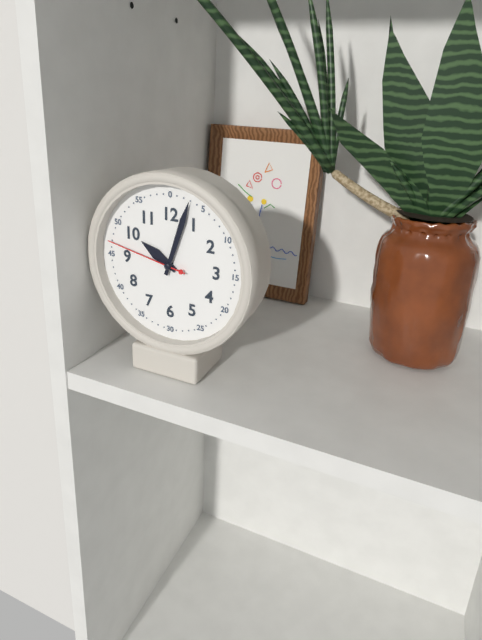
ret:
10,03,47
